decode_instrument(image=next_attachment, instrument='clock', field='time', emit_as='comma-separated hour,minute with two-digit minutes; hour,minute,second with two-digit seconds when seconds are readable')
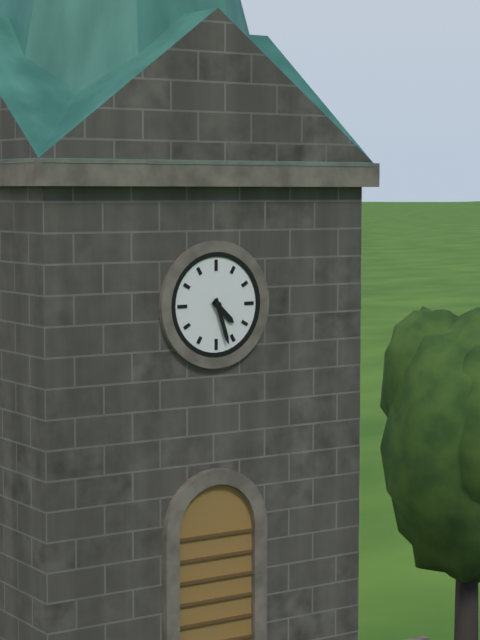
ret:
4,27
